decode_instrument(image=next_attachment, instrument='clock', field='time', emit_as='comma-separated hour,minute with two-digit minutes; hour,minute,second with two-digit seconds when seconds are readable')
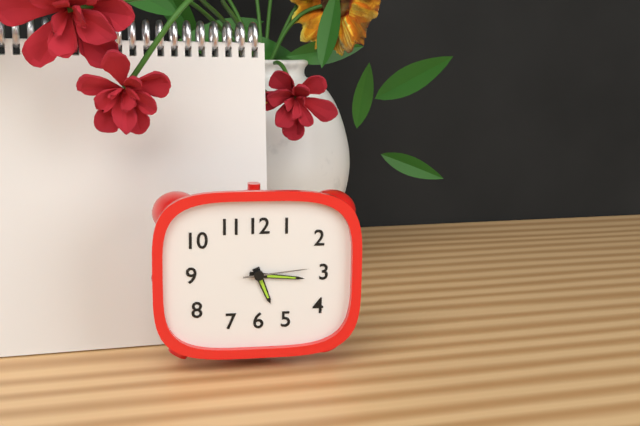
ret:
5,16,14
